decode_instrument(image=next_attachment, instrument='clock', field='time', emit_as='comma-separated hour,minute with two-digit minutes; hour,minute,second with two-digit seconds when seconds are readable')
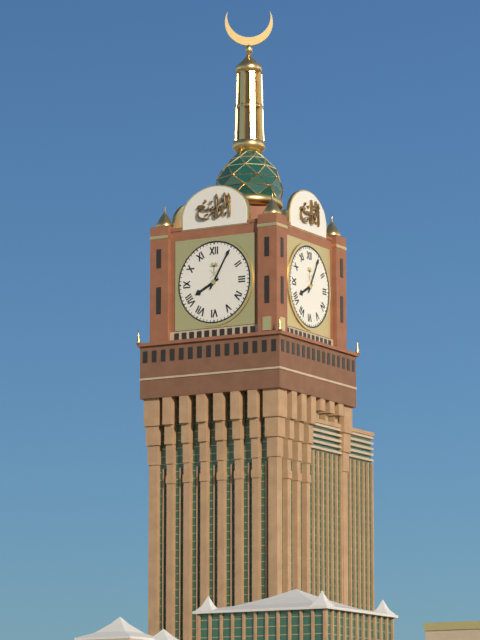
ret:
8,05
